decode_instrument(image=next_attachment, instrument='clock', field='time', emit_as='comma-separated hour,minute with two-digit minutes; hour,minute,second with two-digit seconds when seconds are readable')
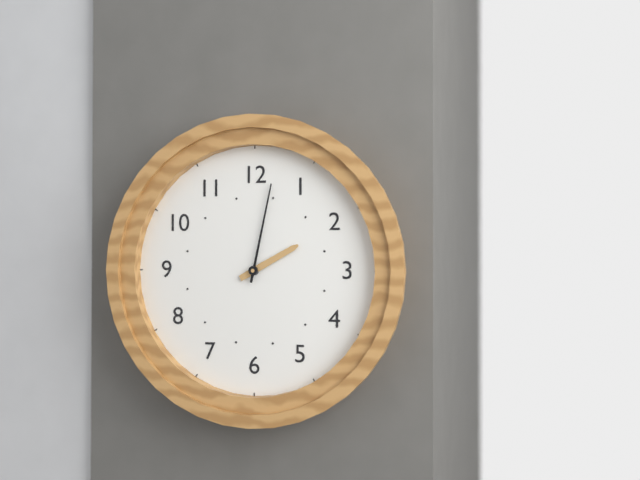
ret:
2,02
